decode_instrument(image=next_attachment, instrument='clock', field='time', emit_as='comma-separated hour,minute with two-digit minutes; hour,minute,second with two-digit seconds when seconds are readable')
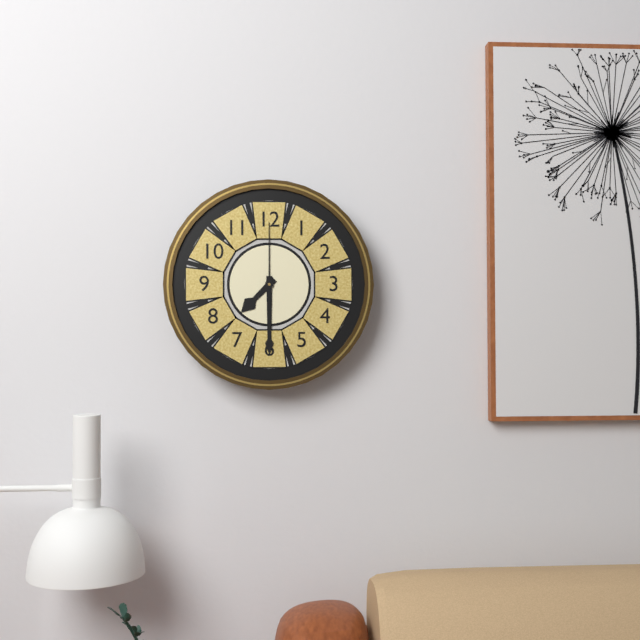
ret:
7,30,00
